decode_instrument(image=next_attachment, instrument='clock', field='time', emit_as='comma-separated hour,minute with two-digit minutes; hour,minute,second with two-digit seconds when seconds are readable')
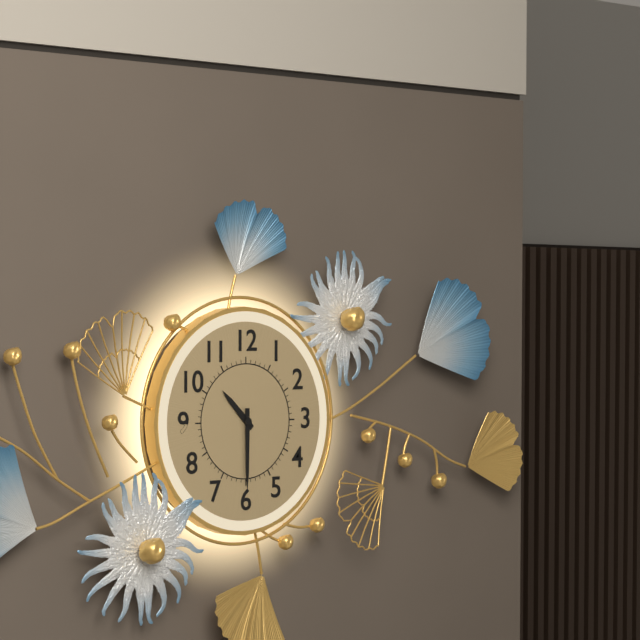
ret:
10,30
